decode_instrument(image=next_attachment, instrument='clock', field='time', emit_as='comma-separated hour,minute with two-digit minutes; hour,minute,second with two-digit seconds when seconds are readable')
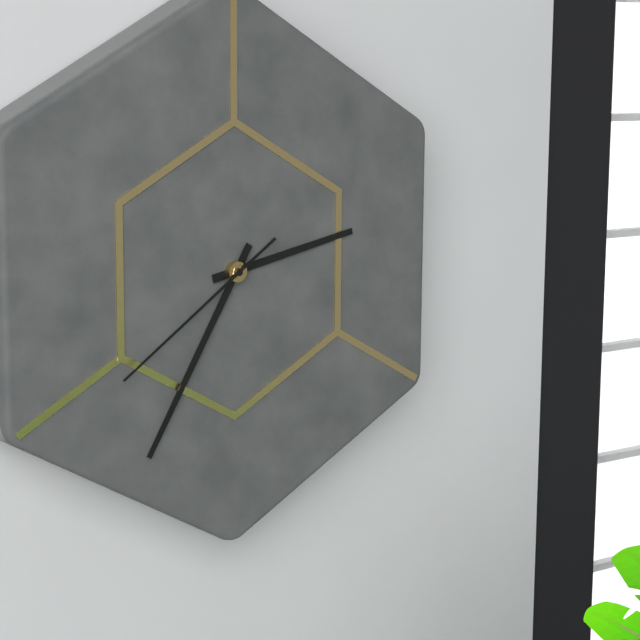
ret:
2,35,39
